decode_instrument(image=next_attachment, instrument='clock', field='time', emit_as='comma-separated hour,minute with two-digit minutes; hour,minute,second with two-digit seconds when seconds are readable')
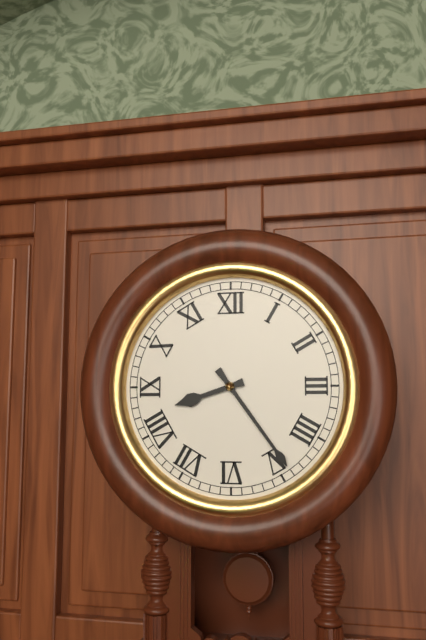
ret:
8,24
